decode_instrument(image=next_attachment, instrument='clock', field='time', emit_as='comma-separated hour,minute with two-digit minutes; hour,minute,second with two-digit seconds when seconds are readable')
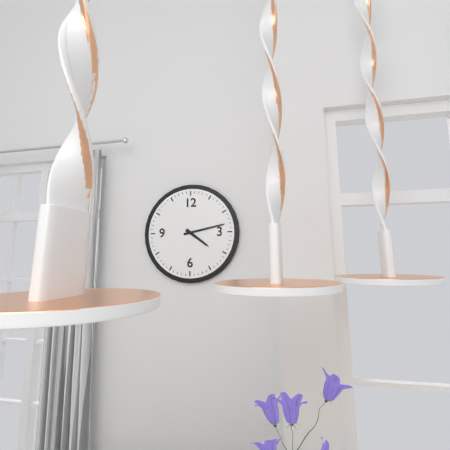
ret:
4,13
